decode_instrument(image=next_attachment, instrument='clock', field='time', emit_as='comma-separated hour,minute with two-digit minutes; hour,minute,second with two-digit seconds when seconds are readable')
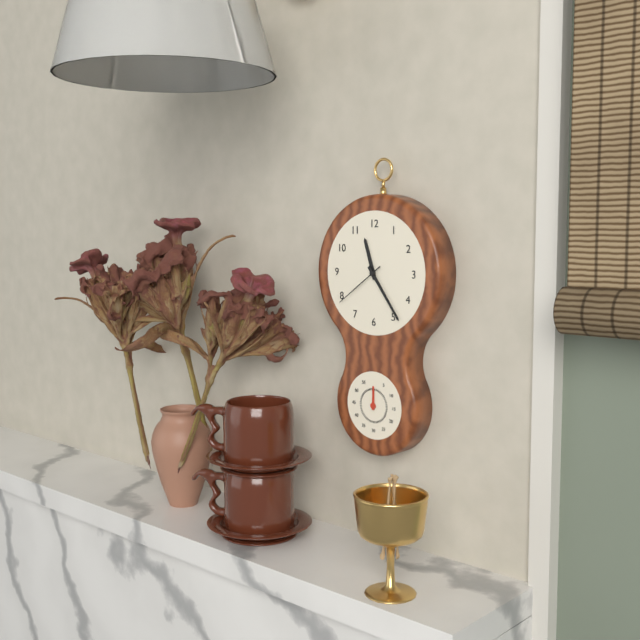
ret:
11,24,39
